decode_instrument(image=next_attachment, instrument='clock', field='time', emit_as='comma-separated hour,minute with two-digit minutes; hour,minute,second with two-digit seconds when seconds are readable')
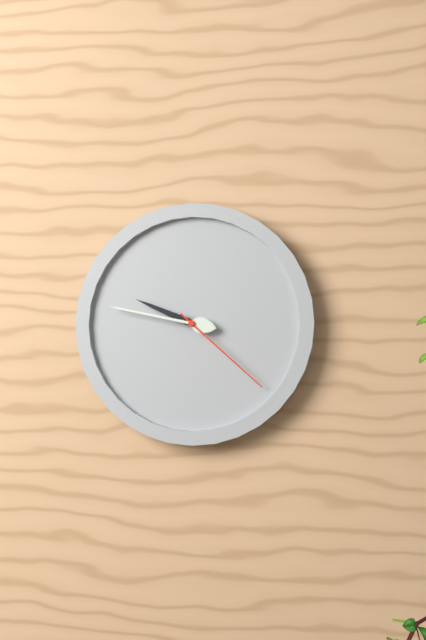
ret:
9,47,22
